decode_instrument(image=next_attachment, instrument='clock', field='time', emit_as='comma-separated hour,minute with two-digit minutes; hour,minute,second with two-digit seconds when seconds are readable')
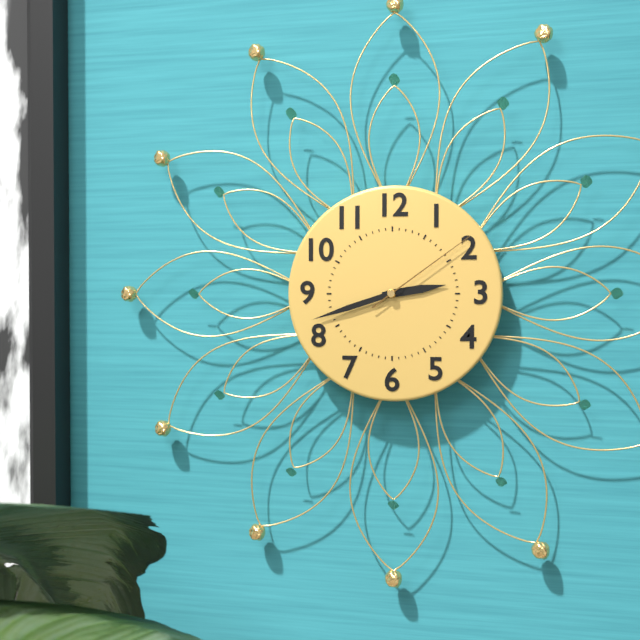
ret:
2,42,09
